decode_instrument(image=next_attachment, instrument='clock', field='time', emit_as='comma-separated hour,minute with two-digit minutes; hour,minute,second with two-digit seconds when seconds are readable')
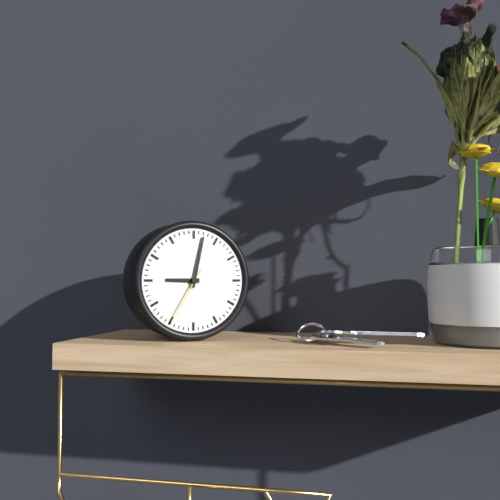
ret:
9,02,35
